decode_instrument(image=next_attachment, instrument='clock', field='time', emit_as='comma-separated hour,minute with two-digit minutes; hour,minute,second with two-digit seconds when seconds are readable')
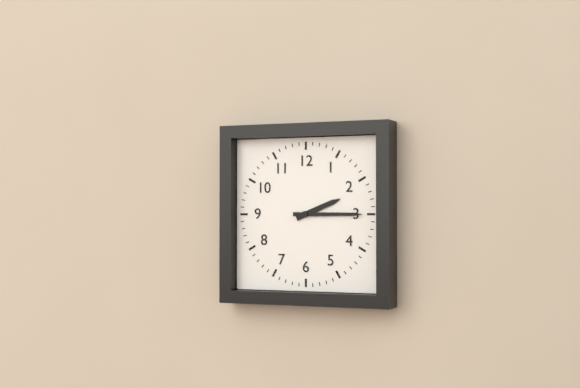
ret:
2,15
